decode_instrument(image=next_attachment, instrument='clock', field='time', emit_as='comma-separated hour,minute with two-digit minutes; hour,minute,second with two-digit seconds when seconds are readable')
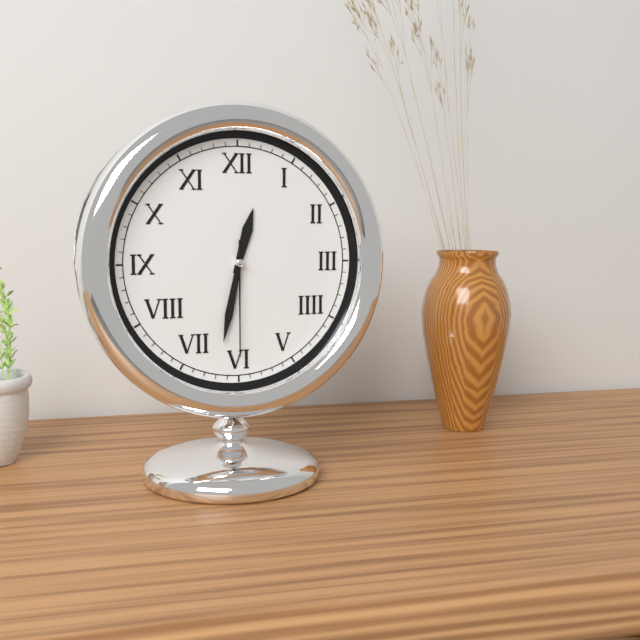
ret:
12,32,30
